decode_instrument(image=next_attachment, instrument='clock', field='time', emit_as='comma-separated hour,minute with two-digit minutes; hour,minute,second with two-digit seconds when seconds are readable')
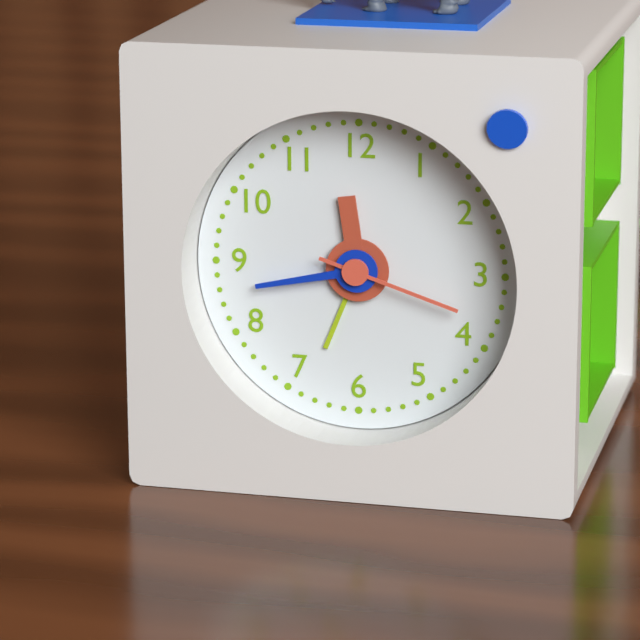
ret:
11,43,18
